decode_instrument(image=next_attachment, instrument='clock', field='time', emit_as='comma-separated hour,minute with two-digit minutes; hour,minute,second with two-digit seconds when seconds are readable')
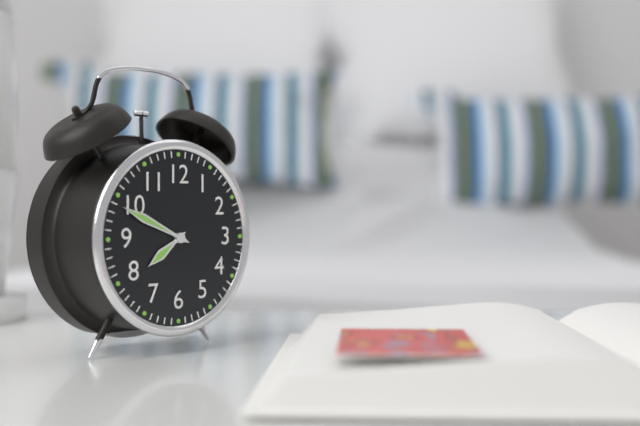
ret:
7,49
